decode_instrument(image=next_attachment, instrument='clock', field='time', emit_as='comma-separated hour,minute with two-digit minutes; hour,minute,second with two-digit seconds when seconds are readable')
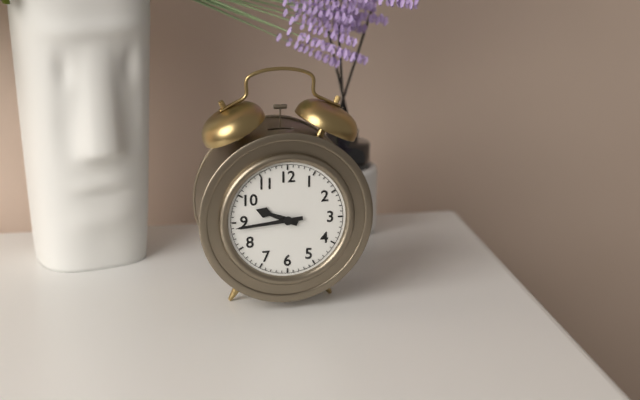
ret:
9,44
